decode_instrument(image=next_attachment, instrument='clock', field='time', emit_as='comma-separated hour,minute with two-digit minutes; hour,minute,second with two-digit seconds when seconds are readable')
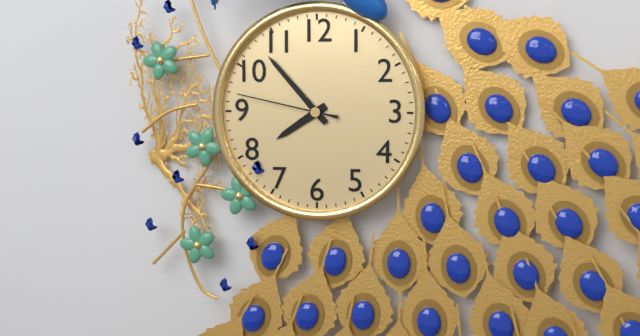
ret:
7,53,47
